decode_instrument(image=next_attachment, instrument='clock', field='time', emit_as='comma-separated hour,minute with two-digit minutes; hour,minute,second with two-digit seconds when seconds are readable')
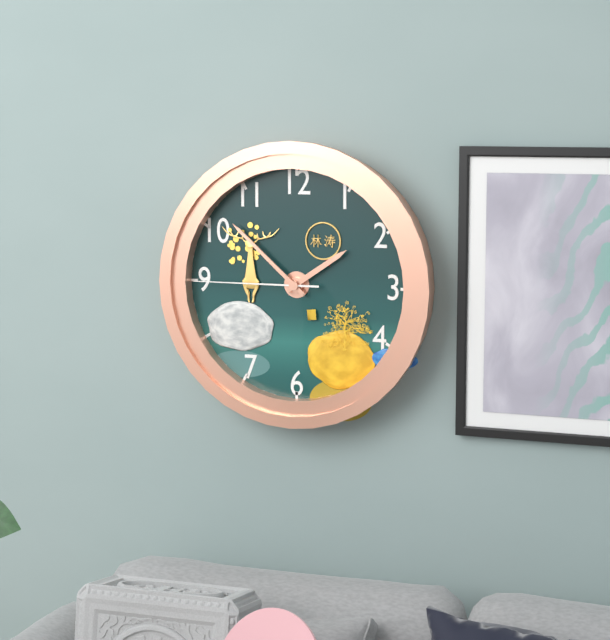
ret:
1,52,45
